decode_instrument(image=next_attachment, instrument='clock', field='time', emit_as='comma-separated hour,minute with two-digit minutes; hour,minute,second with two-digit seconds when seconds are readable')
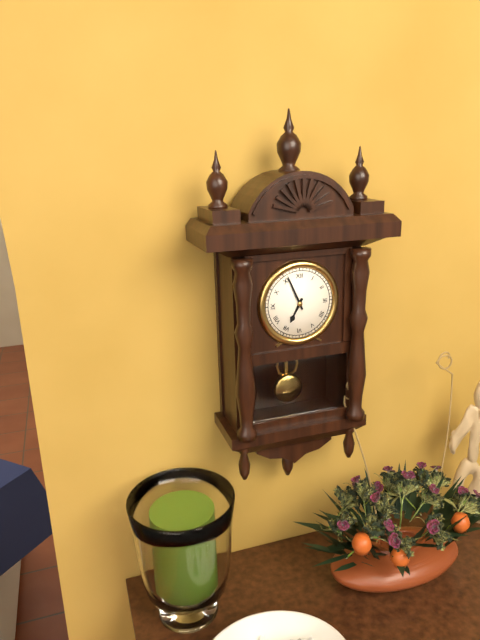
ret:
6,56
